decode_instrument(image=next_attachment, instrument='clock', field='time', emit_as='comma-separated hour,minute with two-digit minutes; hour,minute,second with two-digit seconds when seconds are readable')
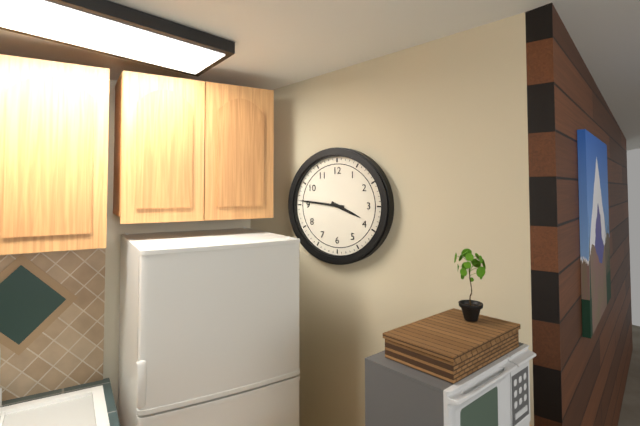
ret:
3,46
